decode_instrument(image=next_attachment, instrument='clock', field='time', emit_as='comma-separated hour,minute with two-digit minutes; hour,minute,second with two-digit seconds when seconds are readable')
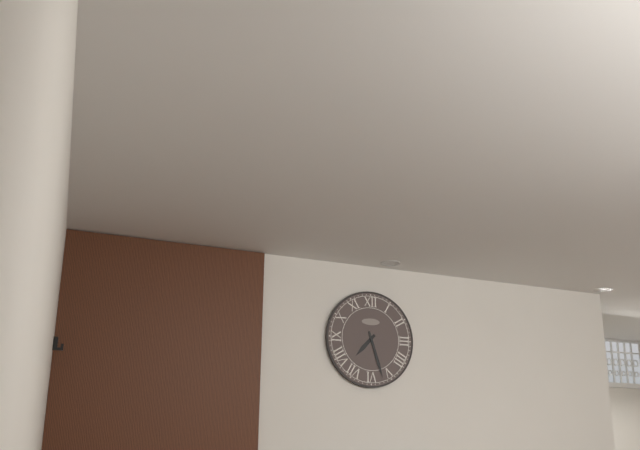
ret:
7,27
